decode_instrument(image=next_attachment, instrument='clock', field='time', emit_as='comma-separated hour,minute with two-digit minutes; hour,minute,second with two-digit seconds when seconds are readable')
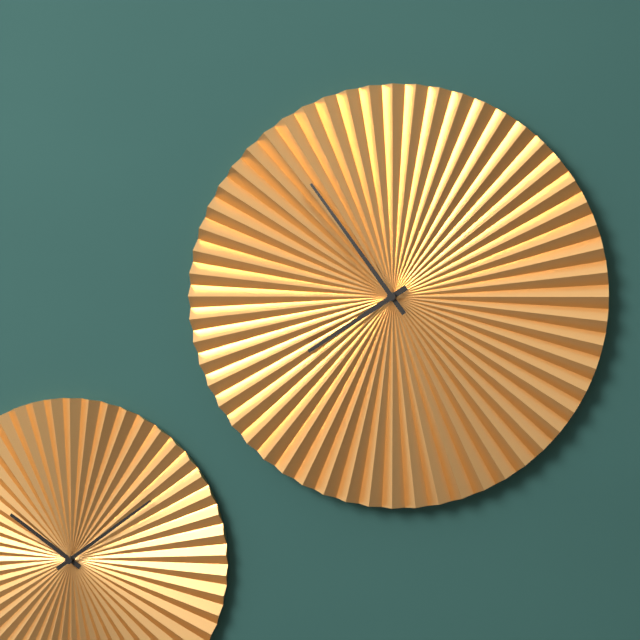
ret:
7,54
